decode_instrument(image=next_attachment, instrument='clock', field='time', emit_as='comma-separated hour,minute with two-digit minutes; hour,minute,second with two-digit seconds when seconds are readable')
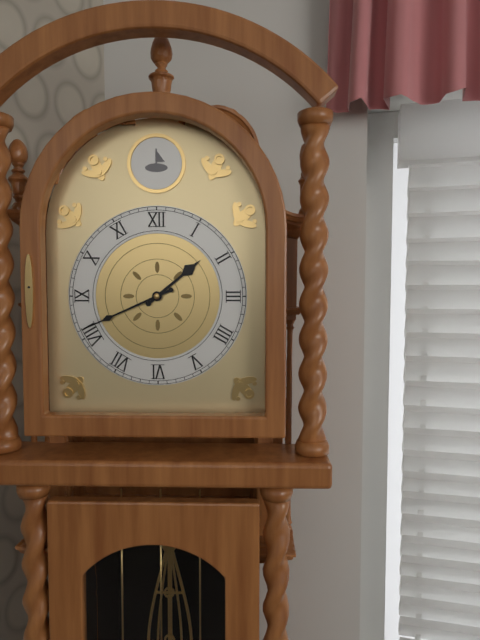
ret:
1,41
